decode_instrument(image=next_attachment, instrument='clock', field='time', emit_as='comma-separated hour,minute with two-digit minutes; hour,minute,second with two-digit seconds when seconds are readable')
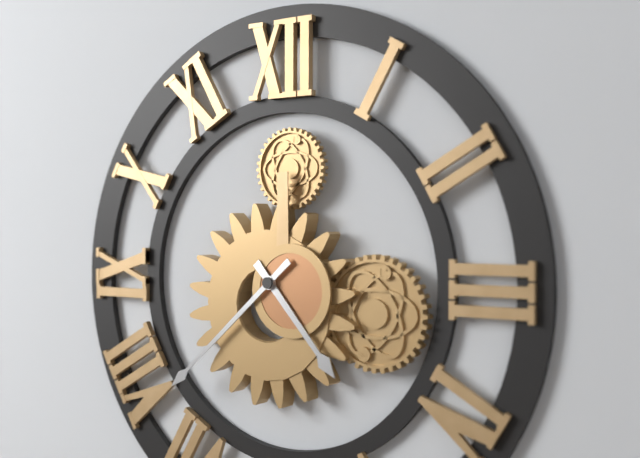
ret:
4,38
